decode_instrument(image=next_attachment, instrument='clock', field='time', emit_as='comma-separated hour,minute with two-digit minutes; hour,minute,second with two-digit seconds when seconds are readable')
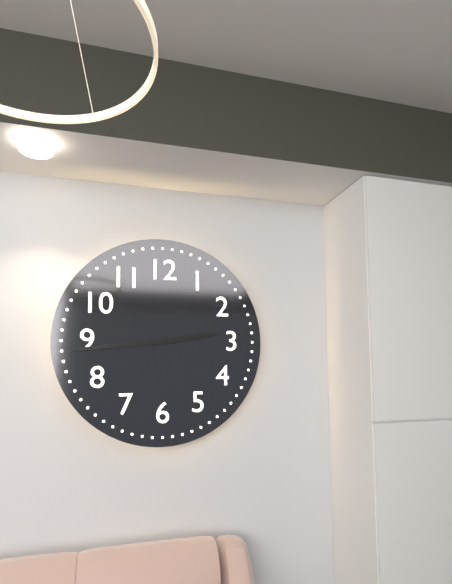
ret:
2,44
